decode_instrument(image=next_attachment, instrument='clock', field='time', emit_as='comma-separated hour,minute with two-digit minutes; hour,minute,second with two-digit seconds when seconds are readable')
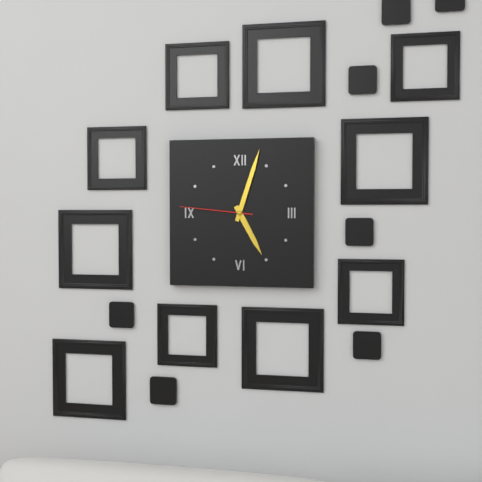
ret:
5,03,46
